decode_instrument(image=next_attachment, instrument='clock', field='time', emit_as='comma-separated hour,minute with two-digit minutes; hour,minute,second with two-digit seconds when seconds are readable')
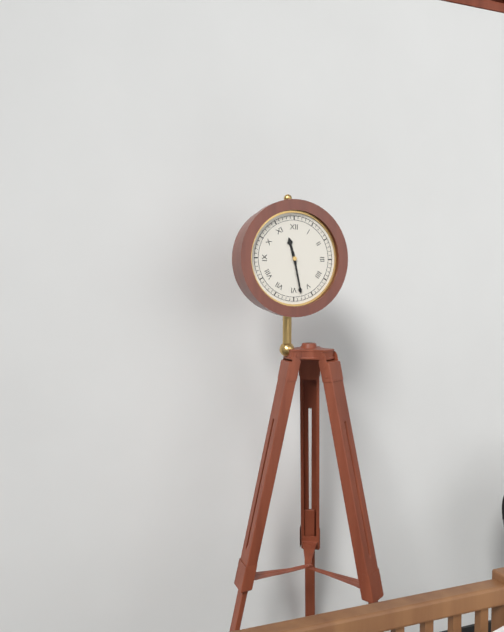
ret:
11,28
